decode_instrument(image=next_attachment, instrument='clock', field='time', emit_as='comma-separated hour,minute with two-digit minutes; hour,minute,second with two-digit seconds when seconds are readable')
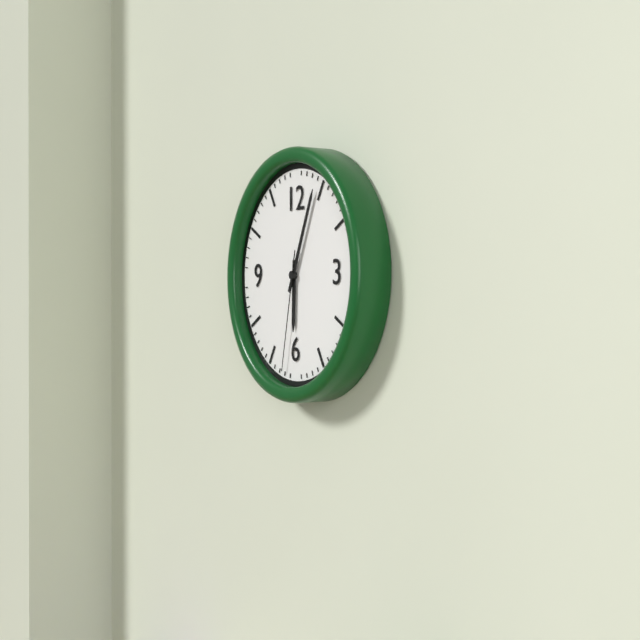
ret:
6,04,32
